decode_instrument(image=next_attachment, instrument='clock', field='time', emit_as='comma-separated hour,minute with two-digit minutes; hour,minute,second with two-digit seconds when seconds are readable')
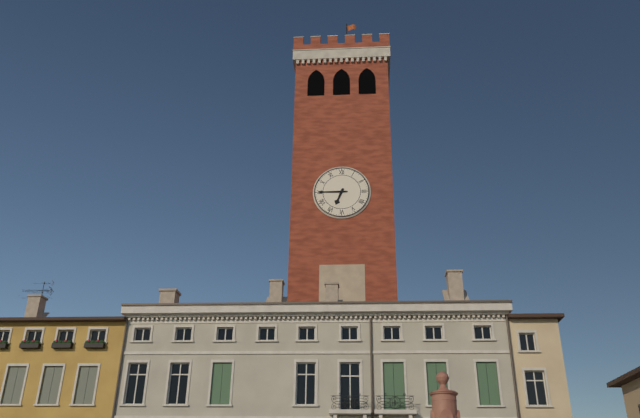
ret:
6,45
